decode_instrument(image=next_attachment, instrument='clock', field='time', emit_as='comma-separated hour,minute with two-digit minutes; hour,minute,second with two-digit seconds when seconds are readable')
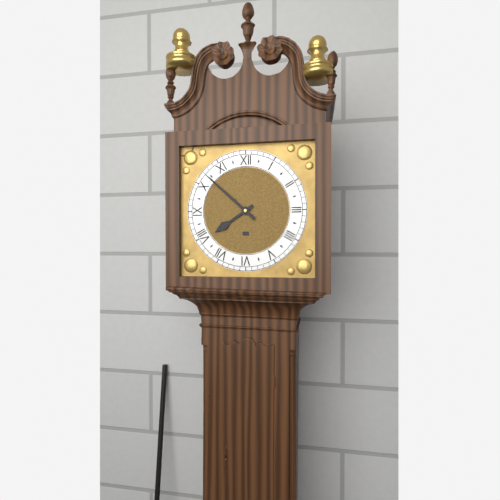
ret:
7,52
